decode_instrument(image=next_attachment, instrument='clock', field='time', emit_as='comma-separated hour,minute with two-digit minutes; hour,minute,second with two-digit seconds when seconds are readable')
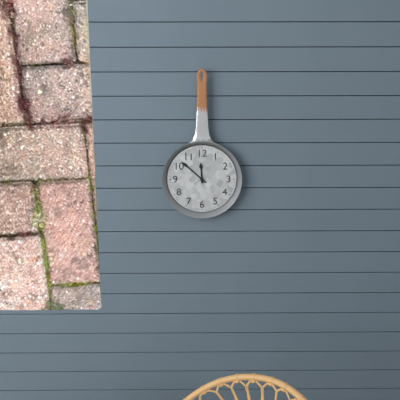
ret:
11,52
